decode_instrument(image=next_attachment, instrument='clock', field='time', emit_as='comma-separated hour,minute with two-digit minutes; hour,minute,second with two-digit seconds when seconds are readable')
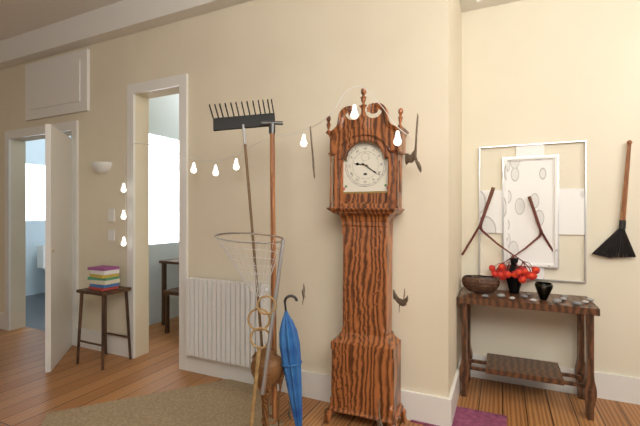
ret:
9,21
